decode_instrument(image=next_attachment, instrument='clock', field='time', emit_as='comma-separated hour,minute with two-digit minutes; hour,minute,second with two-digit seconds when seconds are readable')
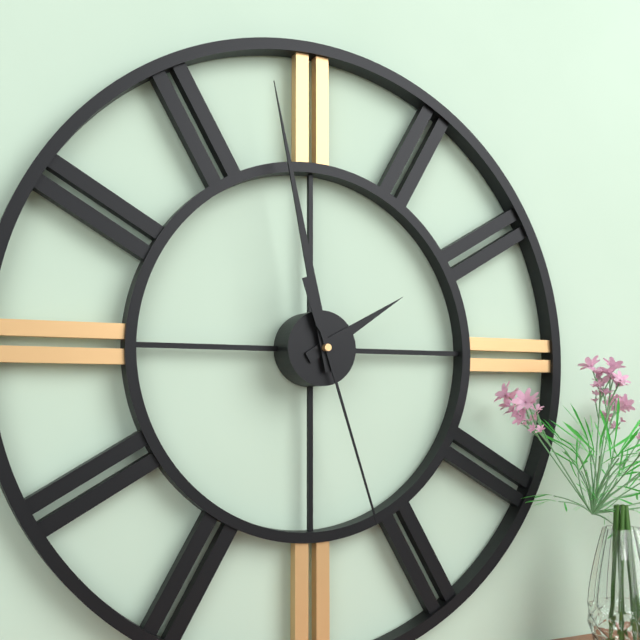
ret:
1,58,27
